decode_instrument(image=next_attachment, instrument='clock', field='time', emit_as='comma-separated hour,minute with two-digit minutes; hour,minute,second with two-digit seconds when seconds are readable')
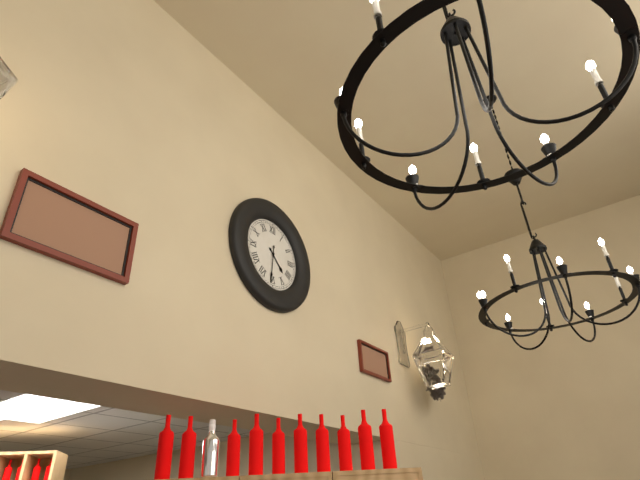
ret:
4,31
